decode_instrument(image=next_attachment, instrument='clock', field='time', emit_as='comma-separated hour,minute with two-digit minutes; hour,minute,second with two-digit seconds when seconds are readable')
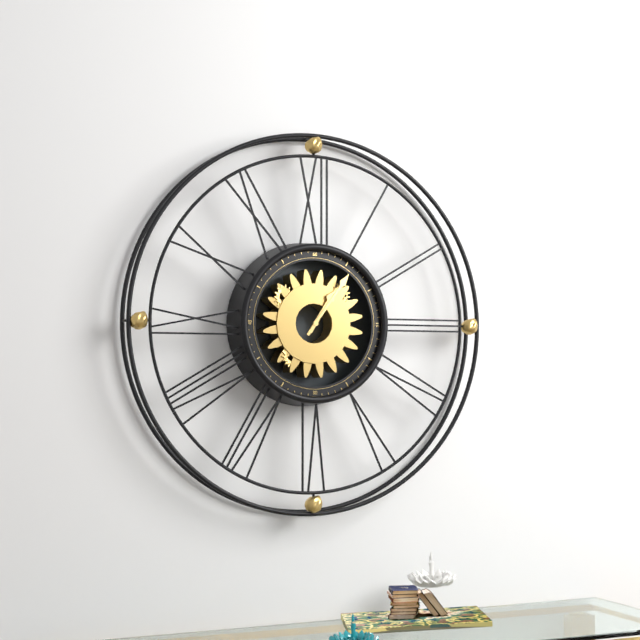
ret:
1,06
